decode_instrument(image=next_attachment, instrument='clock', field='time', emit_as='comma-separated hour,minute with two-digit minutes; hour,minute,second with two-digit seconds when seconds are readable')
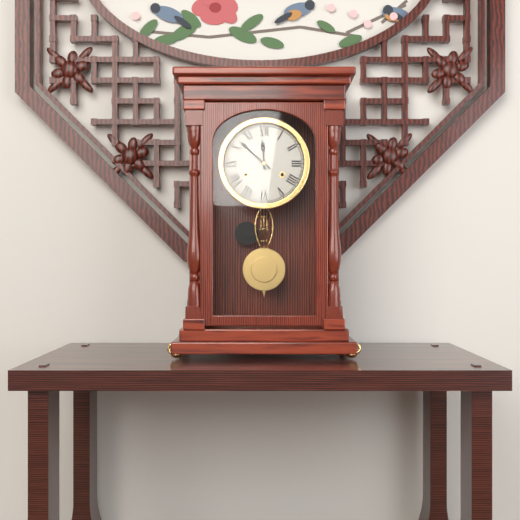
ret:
11,52
